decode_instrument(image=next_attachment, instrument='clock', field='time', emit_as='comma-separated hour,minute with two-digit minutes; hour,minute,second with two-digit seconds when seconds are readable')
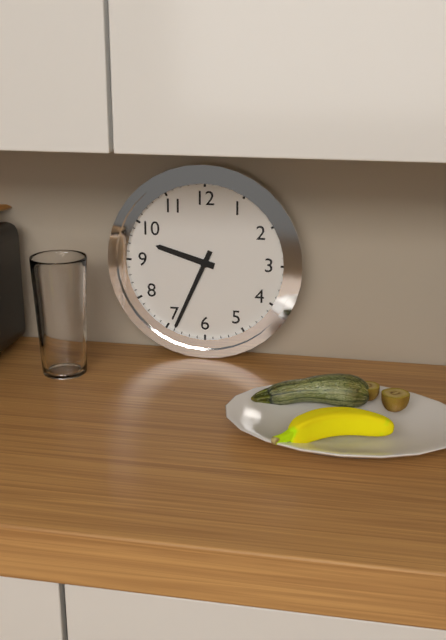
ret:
9,34
